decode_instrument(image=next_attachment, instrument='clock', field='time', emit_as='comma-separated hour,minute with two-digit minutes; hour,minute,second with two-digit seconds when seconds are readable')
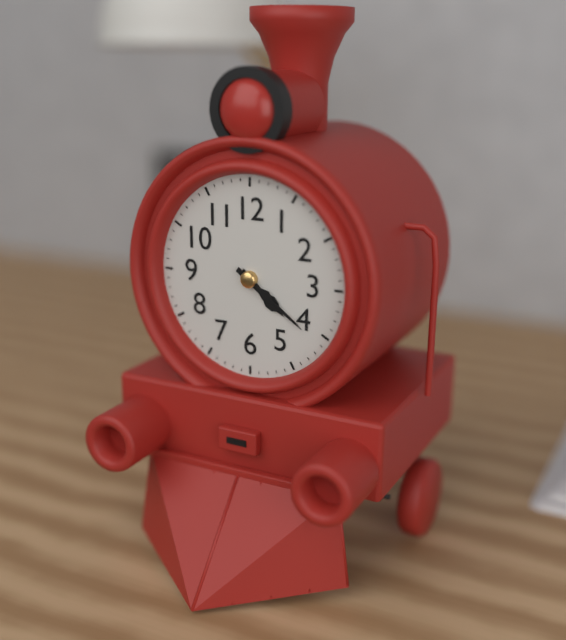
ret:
4,21
